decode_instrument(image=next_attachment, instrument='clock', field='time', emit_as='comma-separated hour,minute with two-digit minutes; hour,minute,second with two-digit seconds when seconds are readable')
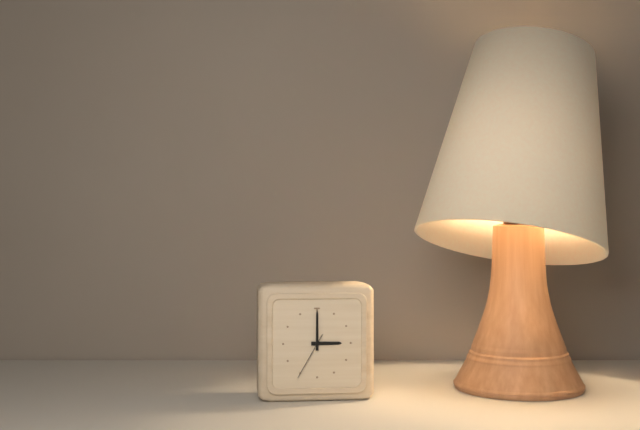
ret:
3,00
